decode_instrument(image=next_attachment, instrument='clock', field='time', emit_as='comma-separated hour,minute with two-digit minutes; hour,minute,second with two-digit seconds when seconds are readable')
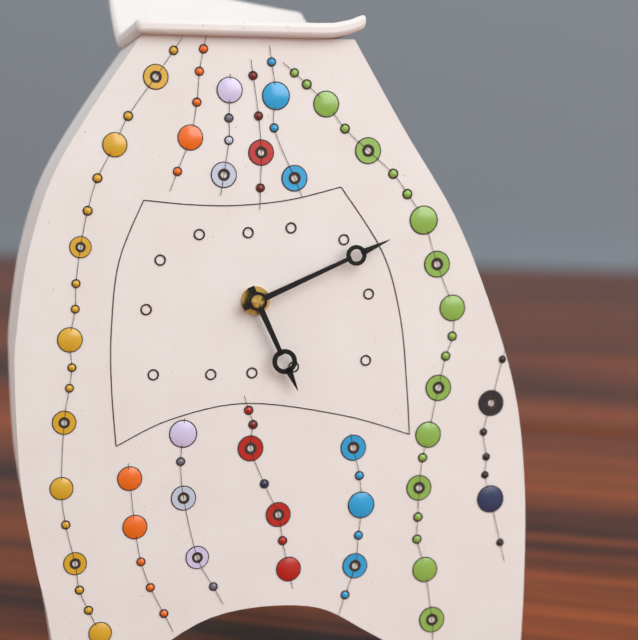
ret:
5,11
